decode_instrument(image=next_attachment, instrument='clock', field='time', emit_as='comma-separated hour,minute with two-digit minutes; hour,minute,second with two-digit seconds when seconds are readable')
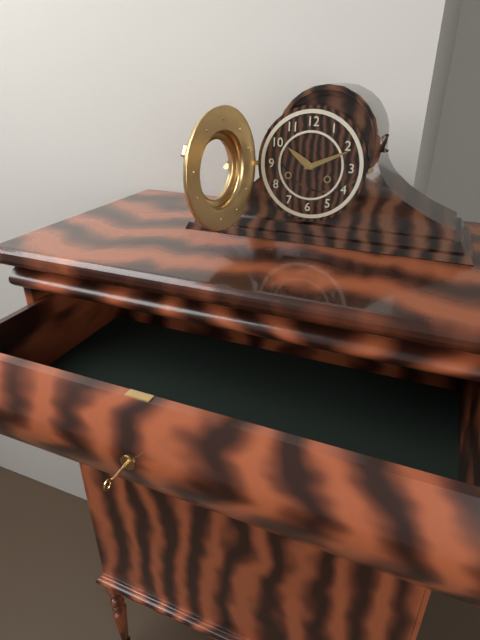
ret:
10,11
